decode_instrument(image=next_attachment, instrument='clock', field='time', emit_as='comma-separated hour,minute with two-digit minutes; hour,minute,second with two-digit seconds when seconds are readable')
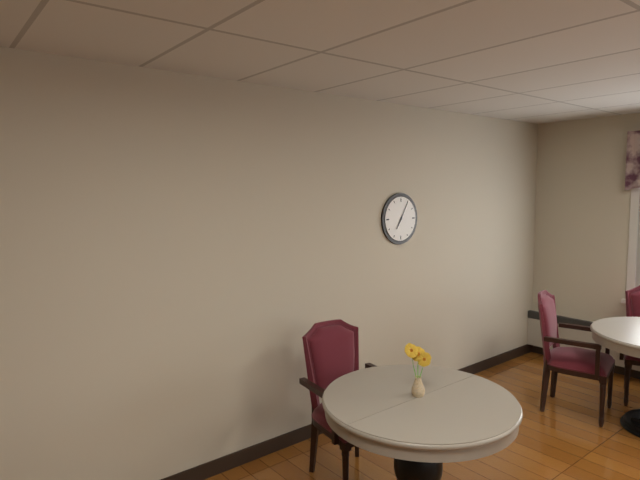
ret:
7,05
